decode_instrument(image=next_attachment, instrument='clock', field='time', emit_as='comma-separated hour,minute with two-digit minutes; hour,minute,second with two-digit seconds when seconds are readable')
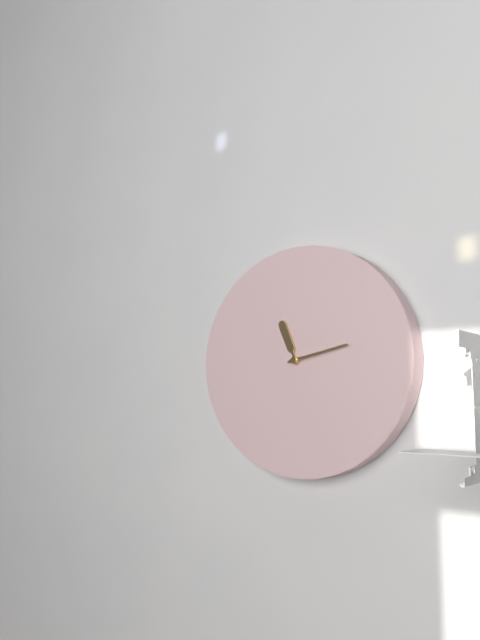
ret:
11,13
